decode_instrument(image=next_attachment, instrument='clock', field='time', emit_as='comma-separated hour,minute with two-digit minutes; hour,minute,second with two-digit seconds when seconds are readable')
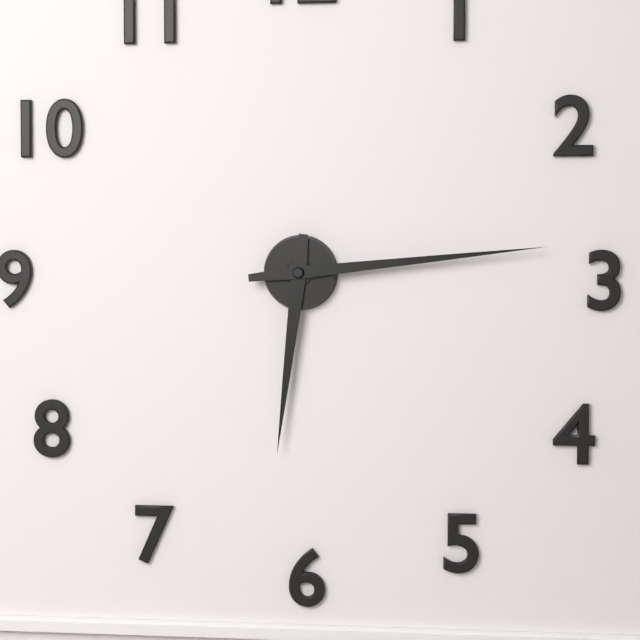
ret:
6,14
